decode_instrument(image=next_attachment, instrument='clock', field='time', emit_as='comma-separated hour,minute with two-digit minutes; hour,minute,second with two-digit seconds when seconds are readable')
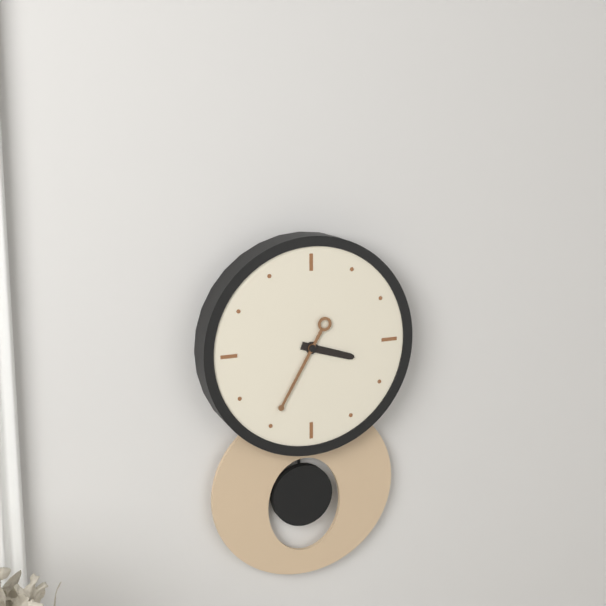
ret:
3,35
